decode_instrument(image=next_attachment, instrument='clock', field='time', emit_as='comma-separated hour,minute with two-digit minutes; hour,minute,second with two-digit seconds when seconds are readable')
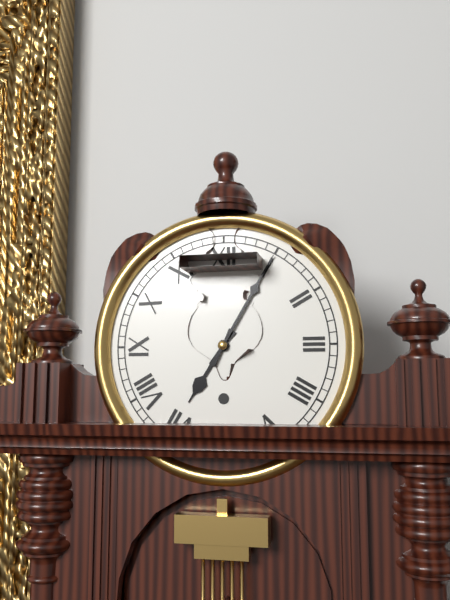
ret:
7,05
